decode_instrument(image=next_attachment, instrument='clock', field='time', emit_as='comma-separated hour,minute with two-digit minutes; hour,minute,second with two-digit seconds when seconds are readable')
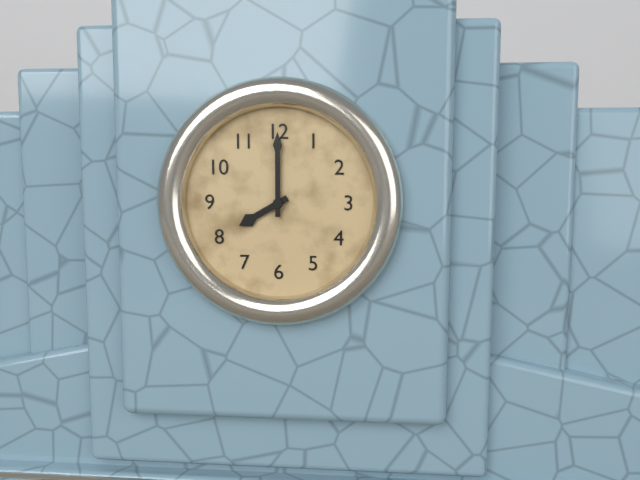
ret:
8,00
